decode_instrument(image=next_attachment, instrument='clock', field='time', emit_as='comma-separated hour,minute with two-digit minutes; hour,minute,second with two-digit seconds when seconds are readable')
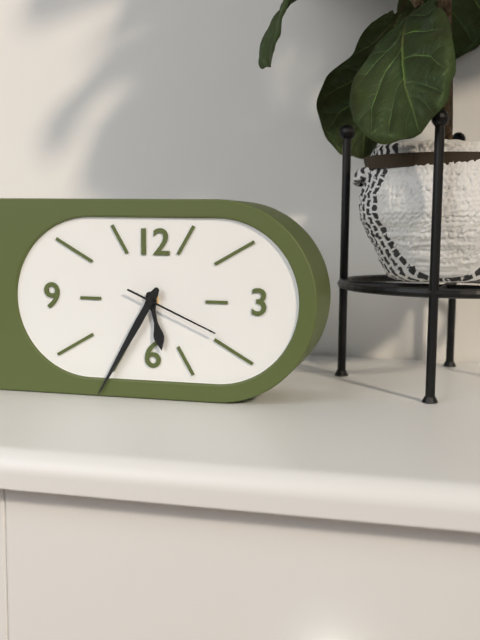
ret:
5,35,19
